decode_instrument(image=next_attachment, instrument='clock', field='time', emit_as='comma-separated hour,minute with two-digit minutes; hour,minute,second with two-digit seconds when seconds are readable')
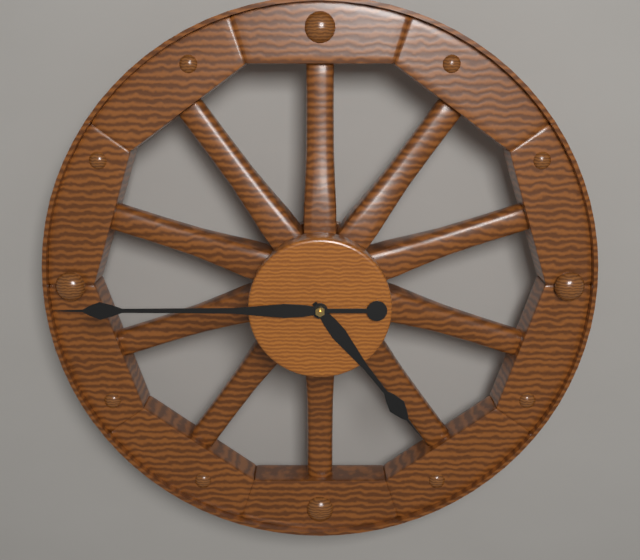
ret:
4,45
